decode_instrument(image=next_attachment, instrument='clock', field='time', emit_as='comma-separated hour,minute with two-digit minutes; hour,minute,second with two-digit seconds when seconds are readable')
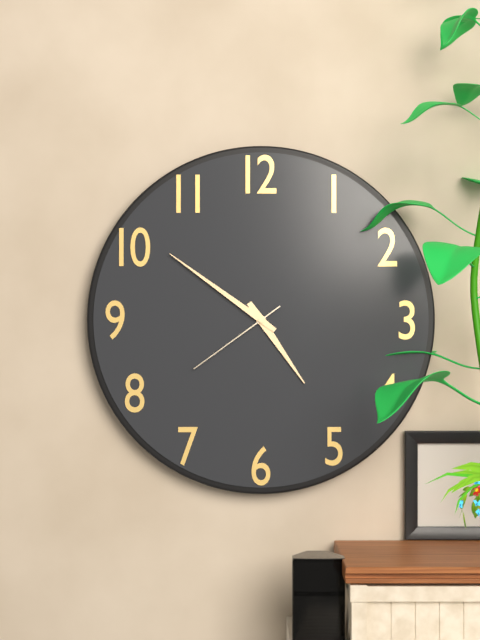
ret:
4,51,39
